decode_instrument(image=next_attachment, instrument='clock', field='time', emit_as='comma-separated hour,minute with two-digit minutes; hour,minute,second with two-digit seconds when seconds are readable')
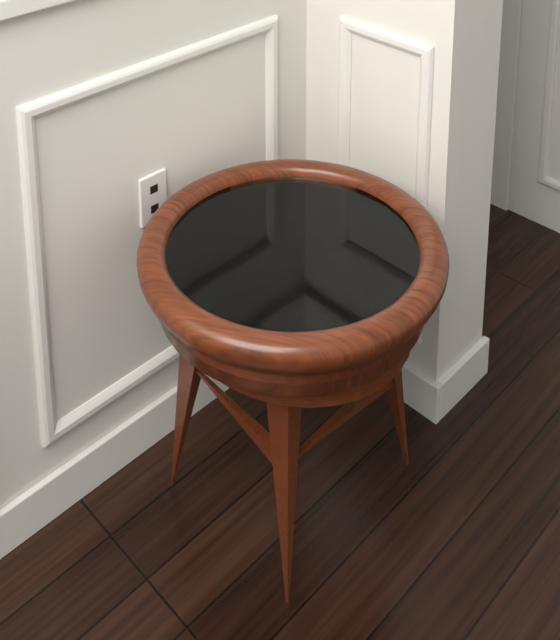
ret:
1,03
